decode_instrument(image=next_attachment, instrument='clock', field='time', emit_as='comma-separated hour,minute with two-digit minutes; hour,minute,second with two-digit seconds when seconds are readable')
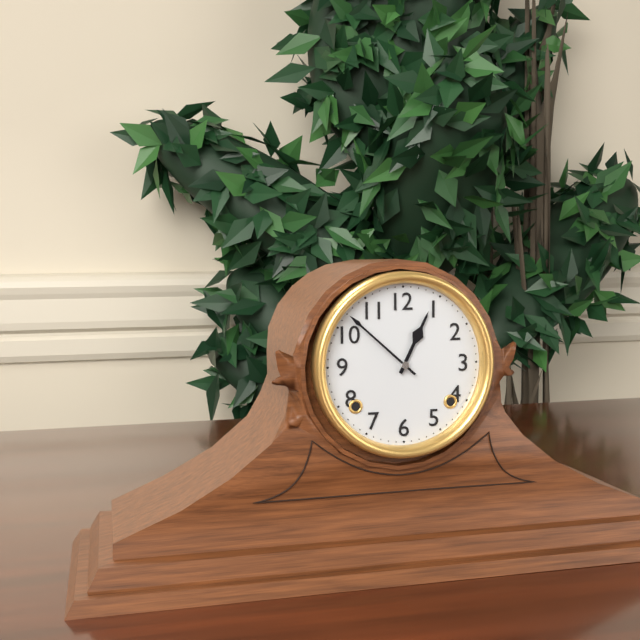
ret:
12,52
